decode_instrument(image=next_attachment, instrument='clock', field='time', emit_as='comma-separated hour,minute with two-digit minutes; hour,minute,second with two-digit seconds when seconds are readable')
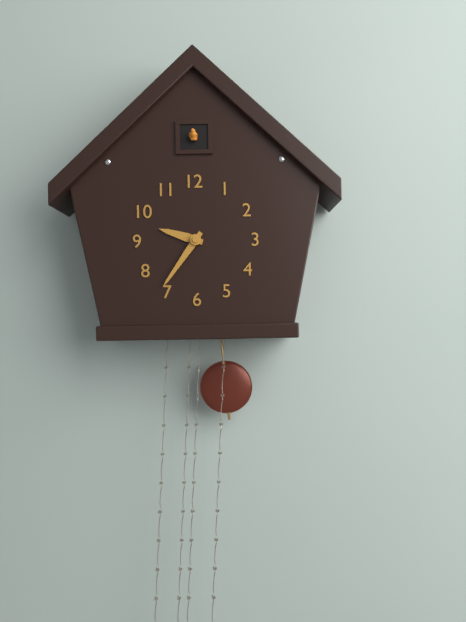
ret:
9,36
